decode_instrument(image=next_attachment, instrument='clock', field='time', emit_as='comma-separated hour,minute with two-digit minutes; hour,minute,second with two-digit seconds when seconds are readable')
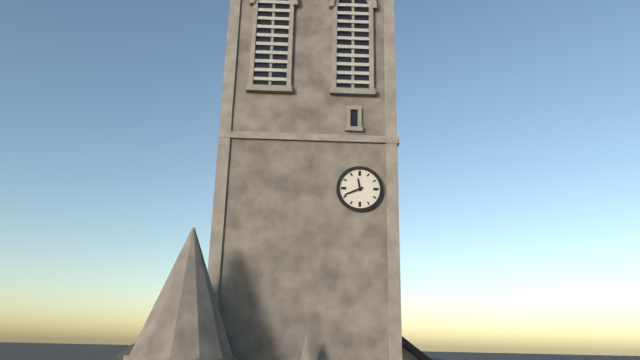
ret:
11,41
